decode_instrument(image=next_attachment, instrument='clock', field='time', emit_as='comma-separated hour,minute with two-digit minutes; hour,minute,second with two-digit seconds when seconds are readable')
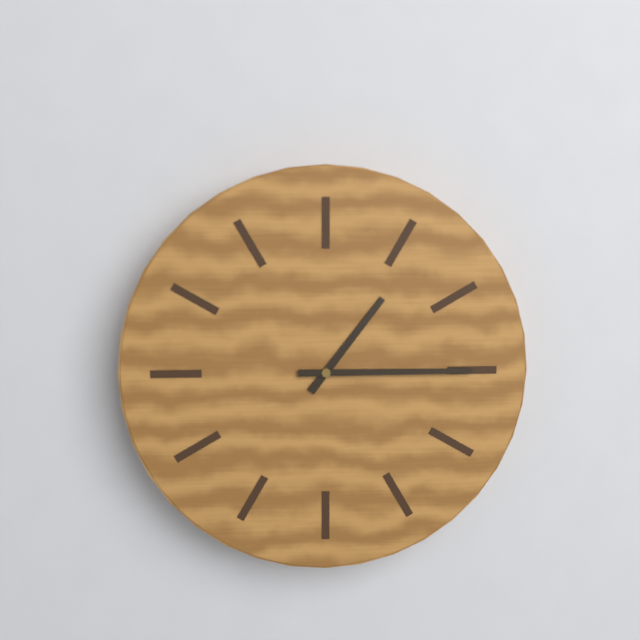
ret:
1,15
